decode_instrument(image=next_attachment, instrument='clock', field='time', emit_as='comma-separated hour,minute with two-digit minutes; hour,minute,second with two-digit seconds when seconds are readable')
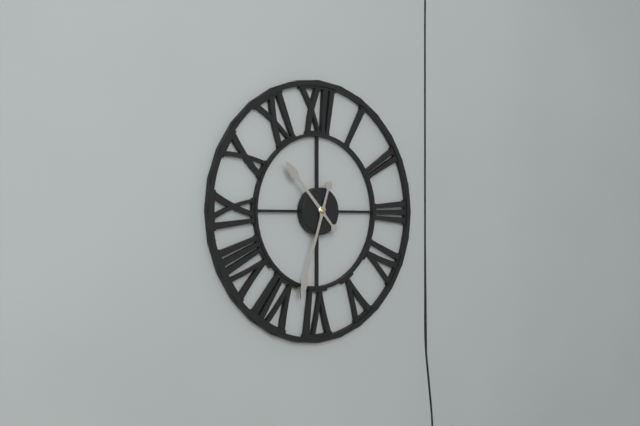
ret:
10,33
